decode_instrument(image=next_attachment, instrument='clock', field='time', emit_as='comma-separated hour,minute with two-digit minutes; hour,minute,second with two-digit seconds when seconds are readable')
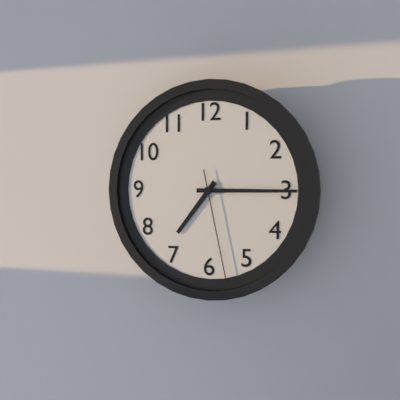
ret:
7,15,28
